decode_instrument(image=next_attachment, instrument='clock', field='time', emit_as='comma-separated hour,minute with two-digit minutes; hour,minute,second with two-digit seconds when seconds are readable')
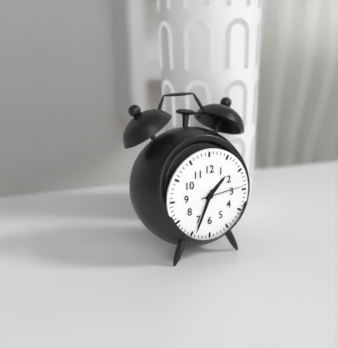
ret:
1,34
